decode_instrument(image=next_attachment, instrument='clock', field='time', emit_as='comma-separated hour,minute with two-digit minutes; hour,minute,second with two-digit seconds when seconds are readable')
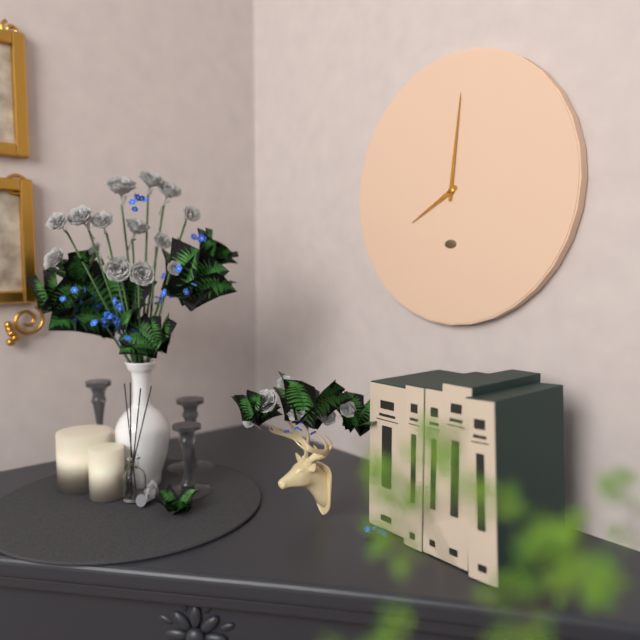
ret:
8,01
